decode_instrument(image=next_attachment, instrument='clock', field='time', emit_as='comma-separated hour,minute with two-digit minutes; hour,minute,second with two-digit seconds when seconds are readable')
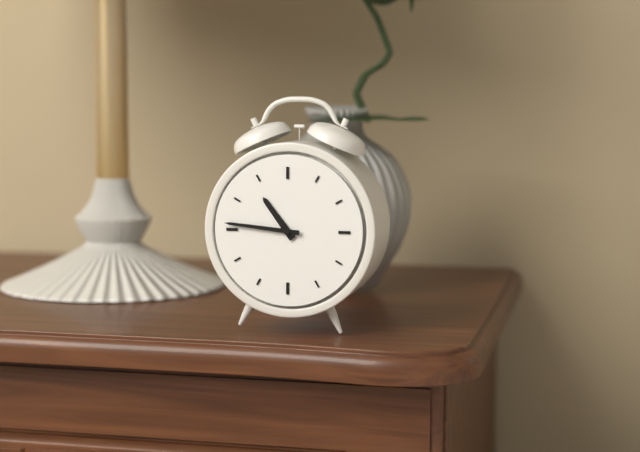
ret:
10,46
